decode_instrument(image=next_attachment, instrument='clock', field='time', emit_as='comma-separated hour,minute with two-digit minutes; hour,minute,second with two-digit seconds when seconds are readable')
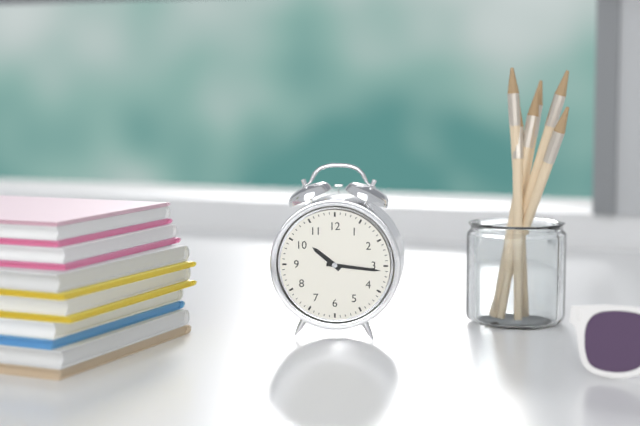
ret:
10,16
